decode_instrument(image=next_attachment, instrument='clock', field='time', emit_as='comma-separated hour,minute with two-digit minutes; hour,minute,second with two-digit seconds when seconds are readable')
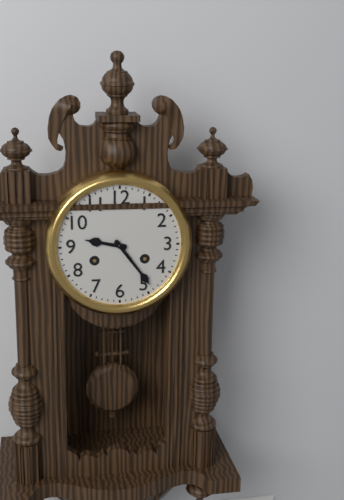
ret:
9,24
